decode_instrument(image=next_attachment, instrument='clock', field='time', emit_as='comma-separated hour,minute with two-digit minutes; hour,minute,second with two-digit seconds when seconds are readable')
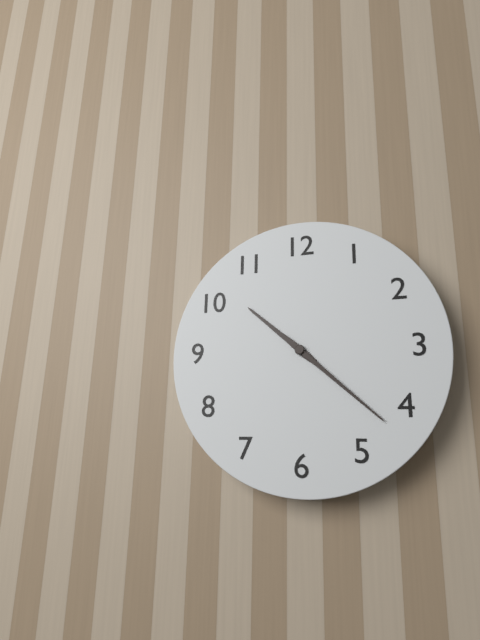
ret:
10,22
